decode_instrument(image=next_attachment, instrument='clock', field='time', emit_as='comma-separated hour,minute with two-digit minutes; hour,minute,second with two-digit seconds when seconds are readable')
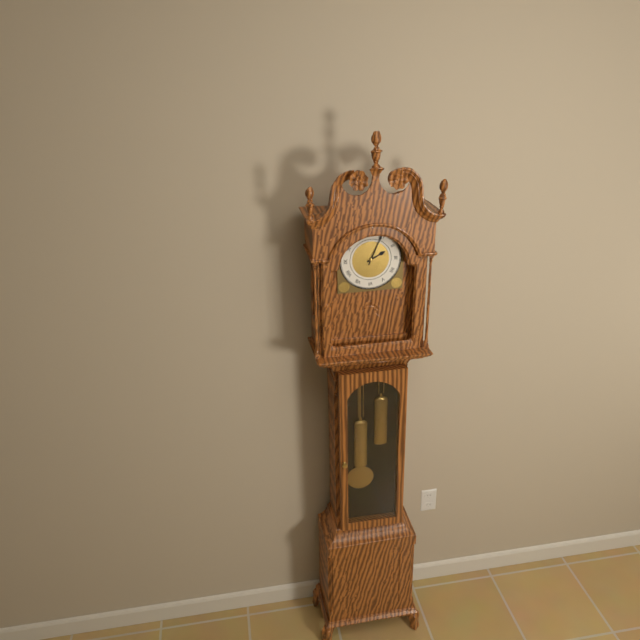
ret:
2,04
